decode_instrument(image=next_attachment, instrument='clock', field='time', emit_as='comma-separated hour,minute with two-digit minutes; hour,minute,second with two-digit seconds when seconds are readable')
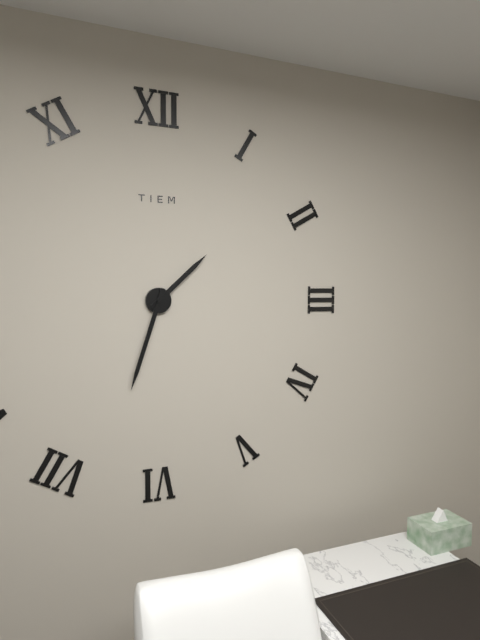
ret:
1,33
